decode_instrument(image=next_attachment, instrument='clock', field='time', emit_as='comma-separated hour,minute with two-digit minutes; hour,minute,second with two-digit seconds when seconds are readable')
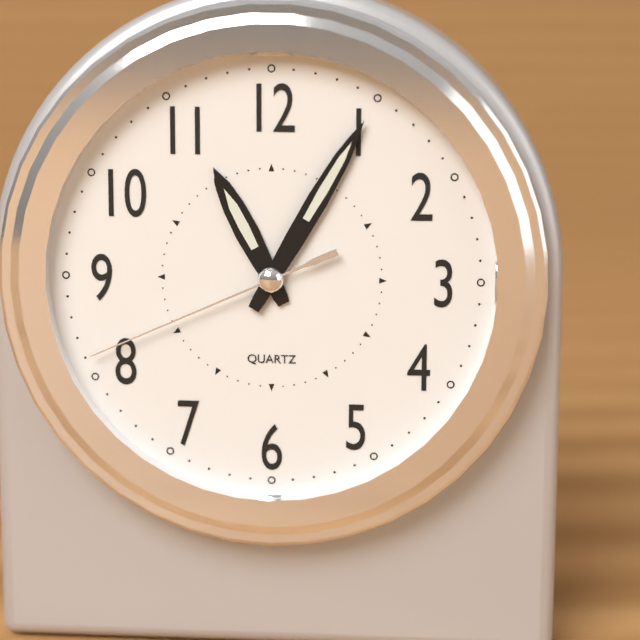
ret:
11,05,41
